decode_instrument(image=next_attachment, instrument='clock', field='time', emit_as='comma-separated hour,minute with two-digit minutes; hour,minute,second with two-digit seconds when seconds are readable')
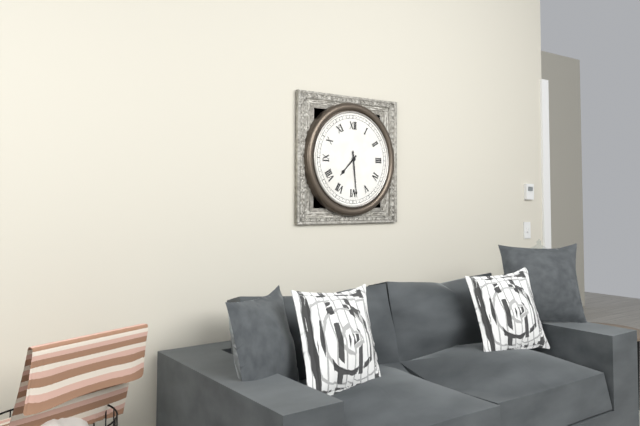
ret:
7,29
